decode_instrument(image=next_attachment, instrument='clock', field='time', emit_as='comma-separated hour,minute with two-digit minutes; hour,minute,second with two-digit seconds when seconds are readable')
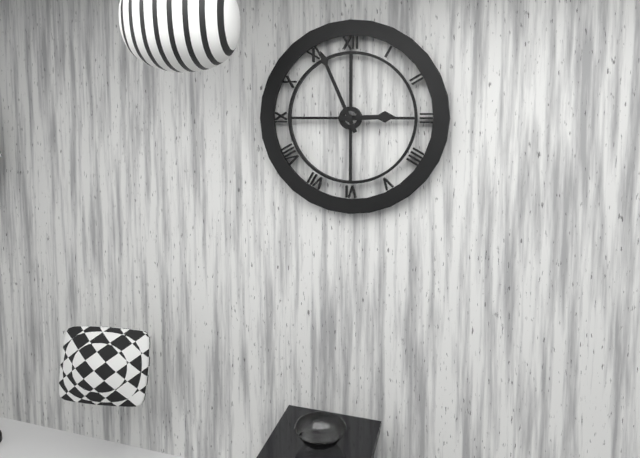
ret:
2,56
